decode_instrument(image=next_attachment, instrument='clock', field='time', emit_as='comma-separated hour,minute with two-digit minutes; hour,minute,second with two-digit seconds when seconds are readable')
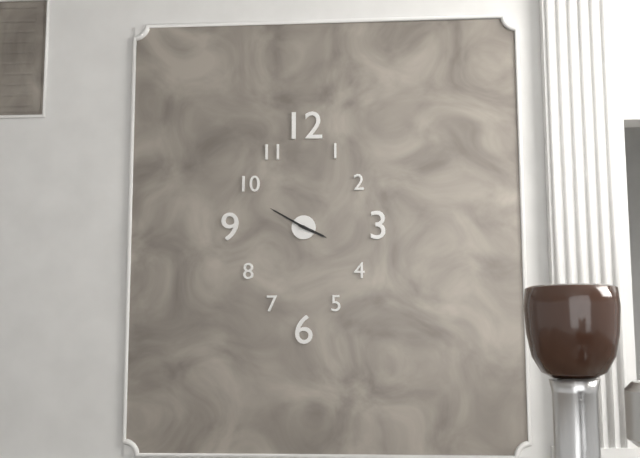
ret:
3,50
